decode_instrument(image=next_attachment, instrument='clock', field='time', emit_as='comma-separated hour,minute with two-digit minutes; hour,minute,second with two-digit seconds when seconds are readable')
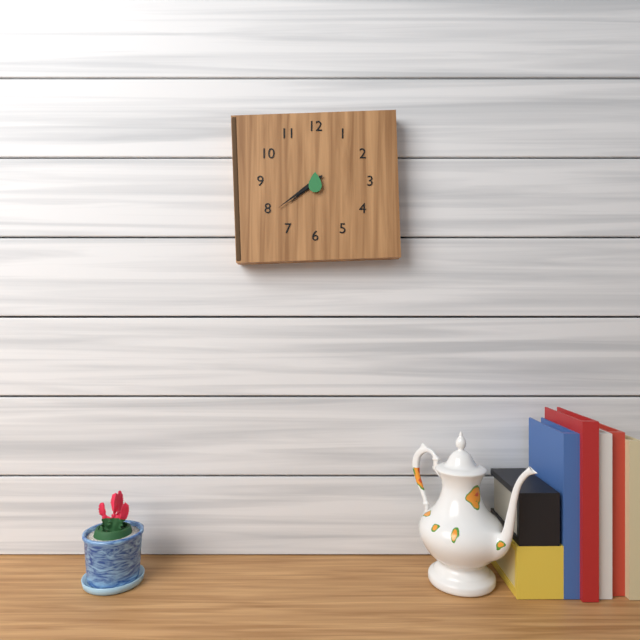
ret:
7,39
